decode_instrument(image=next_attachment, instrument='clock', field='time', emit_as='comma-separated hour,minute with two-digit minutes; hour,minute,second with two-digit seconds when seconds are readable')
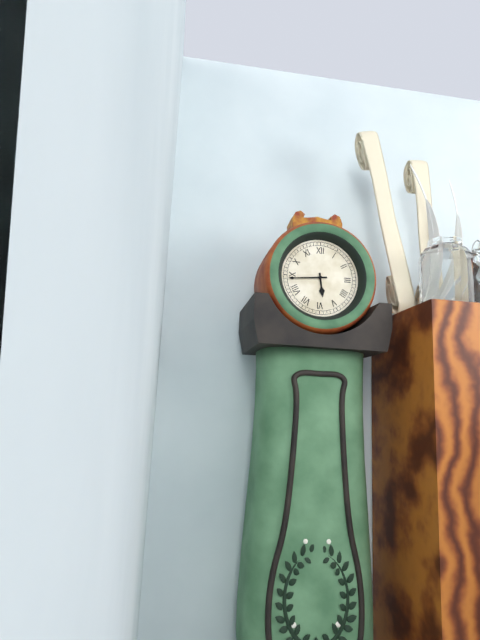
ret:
5,44
